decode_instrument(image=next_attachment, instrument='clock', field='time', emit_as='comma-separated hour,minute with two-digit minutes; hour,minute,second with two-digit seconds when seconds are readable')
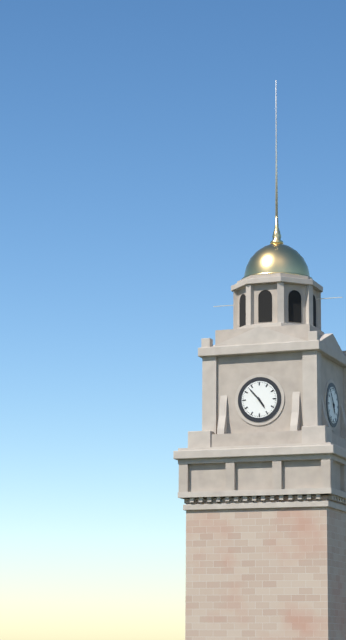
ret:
4,53
